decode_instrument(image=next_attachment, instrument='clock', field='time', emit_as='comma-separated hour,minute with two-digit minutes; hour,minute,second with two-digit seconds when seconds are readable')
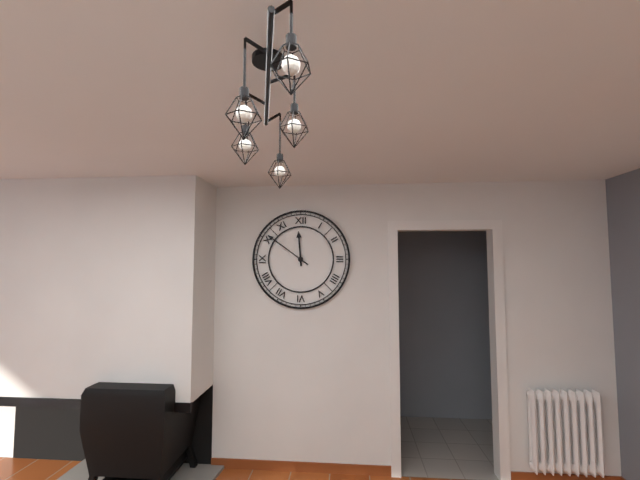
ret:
11,51
